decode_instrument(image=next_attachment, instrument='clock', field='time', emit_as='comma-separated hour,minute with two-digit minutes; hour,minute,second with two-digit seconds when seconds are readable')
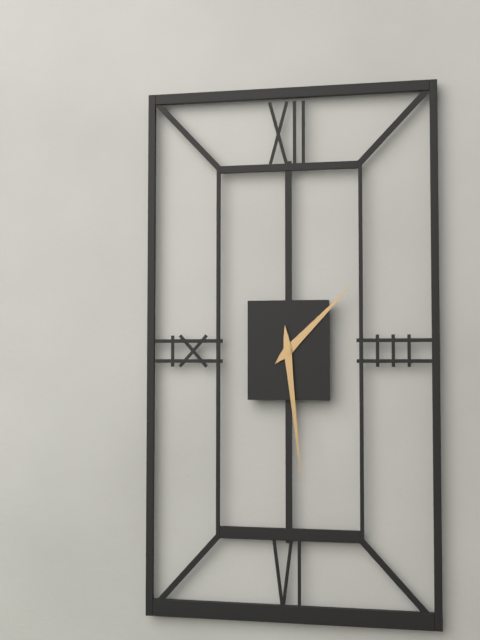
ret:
1,29
